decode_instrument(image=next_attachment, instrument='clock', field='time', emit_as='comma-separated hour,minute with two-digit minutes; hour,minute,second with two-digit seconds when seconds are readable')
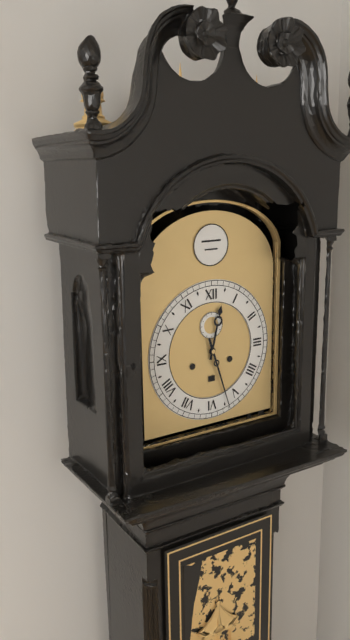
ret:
12,27
